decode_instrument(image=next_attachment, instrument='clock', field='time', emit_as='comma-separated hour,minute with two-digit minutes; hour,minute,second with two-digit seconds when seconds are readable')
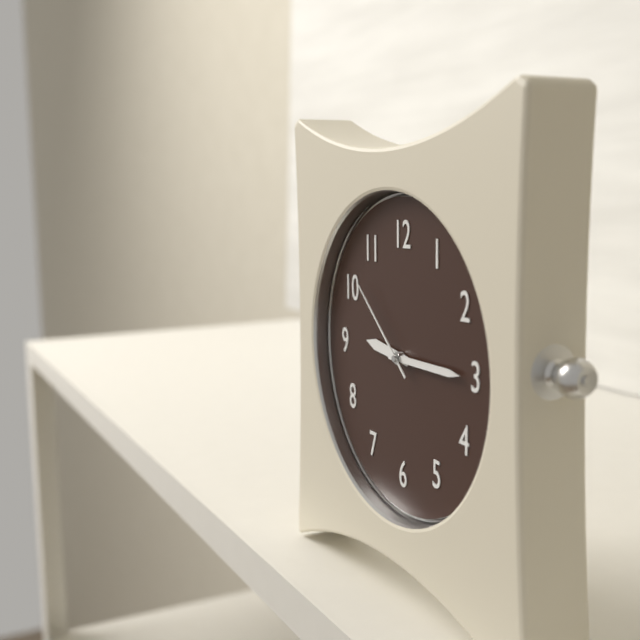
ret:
9,15,52
